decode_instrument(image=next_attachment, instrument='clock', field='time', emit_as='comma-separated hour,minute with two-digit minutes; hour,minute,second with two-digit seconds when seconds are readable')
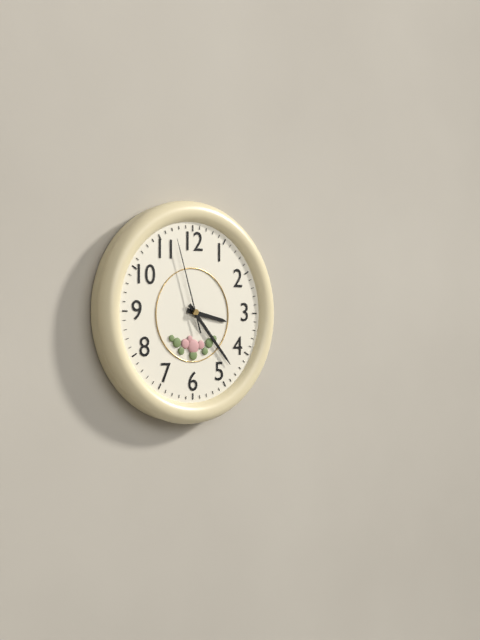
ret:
3,23,57
